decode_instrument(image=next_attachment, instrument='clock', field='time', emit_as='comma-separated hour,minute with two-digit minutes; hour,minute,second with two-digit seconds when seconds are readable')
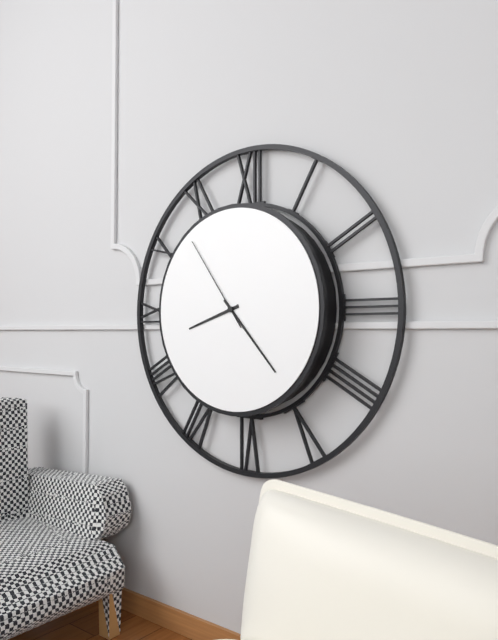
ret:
8,23,54
